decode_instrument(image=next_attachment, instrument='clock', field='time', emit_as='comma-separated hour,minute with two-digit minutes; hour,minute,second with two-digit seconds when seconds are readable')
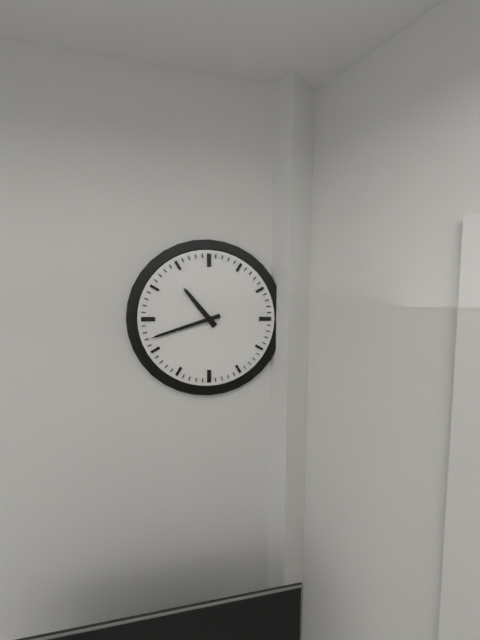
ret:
10,42
